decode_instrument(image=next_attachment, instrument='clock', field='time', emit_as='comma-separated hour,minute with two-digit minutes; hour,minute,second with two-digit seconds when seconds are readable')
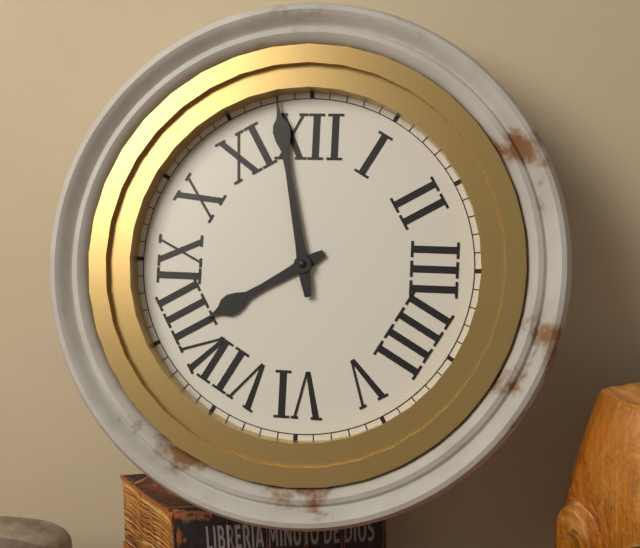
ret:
7,58
